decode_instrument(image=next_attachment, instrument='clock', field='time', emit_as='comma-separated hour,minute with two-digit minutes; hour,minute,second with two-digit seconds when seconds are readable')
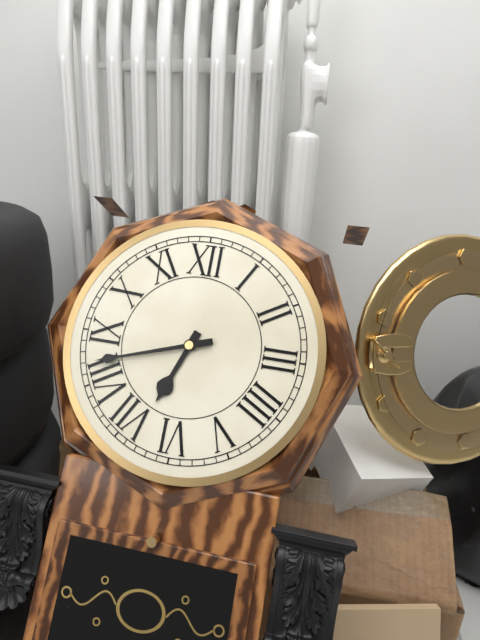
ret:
6,42
